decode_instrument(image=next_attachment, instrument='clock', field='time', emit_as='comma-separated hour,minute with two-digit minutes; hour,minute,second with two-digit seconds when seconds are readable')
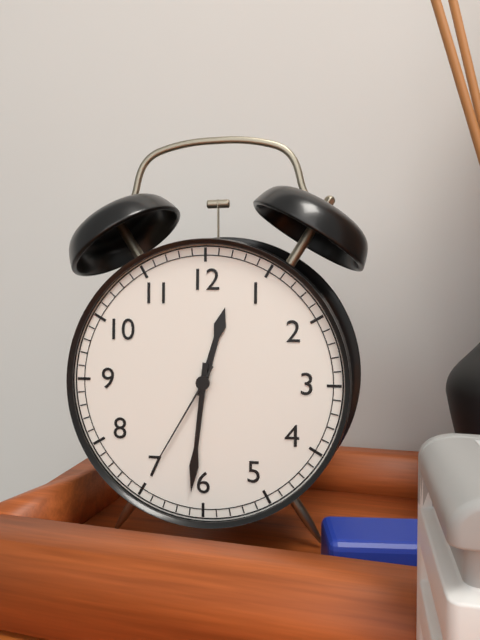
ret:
12,31,35
